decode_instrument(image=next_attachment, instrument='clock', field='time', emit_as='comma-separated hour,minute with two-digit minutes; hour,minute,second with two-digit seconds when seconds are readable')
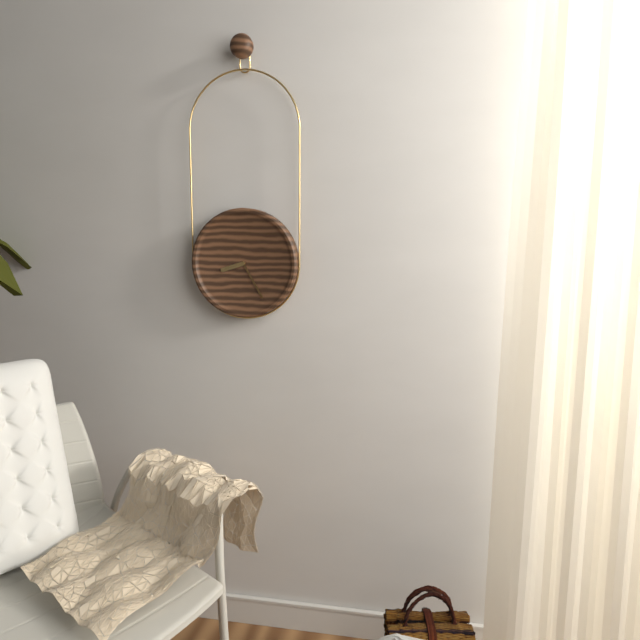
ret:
8,25
